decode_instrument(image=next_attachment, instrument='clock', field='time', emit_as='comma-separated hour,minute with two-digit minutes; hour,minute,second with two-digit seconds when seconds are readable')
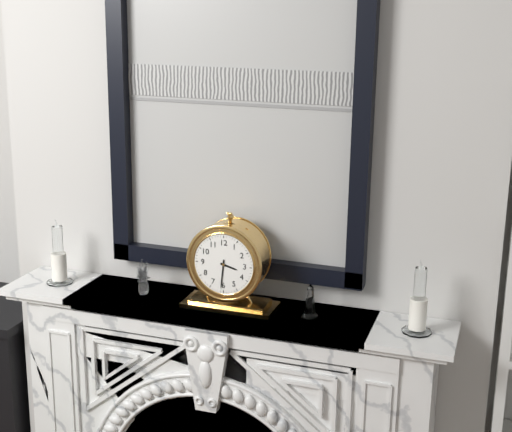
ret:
3,31
